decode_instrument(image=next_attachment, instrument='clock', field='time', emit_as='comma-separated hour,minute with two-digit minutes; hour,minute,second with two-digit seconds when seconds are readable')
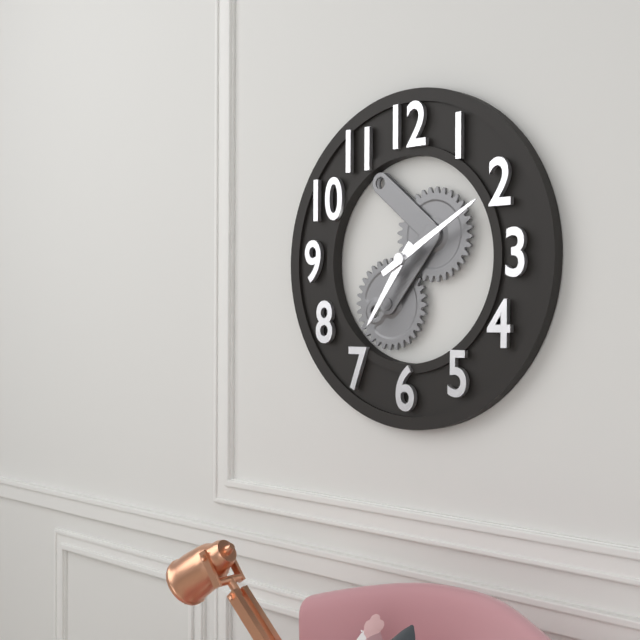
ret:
7,10
